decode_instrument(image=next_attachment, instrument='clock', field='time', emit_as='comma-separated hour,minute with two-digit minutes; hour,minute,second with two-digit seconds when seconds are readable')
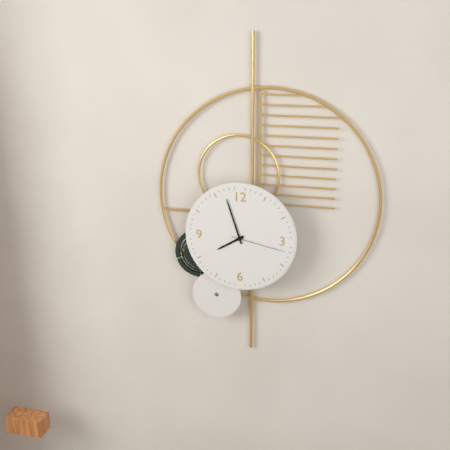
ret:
7,57,17
